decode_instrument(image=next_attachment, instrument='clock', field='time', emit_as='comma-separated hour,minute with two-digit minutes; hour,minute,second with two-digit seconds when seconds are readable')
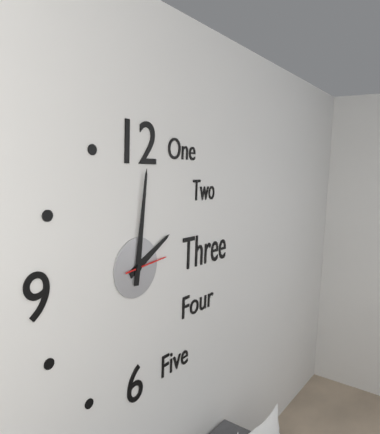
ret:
2,01
